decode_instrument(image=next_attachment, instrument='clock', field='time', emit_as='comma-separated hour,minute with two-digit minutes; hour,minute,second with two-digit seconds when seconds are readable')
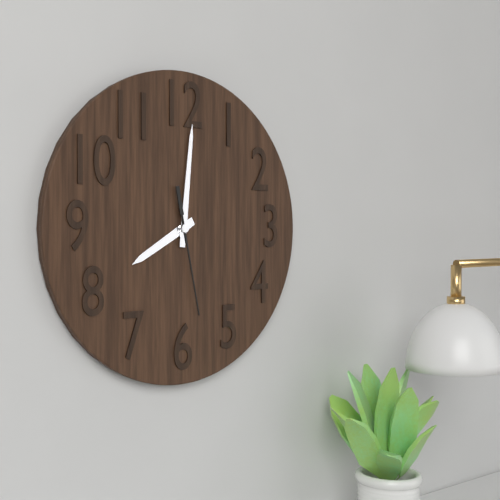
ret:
8,01,28
